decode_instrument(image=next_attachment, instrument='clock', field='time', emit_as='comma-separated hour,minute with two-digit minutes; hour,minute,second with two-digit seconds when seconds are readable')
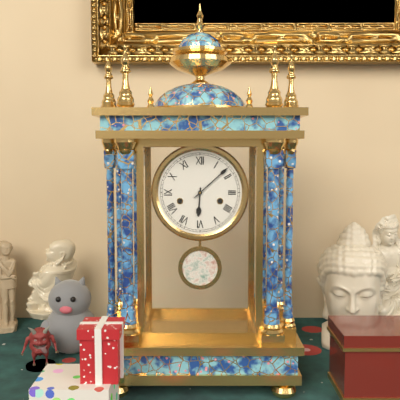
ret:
6,08
